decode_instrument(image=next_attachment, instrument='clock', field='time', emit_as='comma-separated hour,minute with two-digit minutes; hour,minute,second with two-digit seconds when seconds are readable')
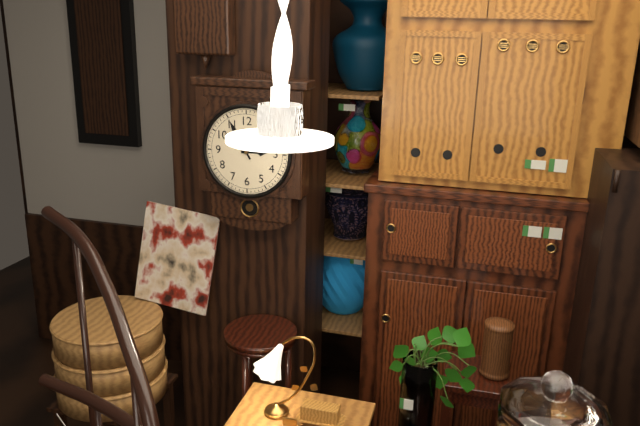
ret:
2,55
